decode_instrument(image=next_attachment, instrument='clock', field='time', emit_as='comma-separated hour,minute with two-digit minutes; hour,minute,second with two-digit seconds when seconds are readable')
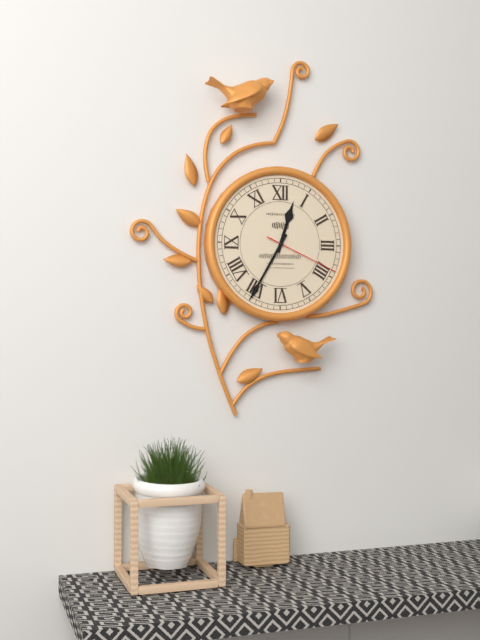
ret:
12,35,19
